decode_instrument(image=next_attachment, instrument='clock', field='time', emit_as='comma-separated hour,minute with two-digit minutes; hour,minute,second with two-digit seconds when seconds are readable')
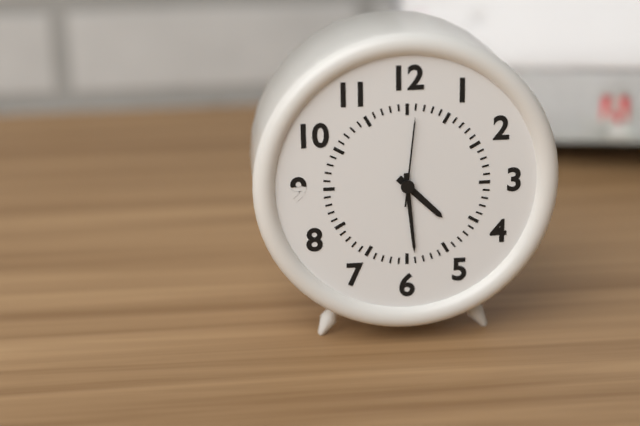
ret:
4,29,01
